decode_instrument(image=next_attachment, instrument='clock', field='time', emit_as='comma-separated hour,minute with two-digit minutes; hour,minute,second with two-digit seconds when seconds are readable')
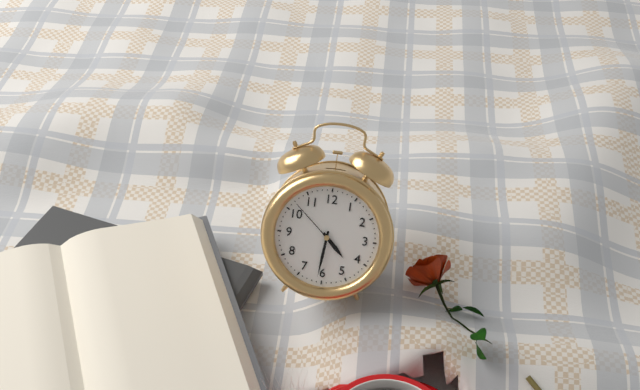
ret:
4,31,52
